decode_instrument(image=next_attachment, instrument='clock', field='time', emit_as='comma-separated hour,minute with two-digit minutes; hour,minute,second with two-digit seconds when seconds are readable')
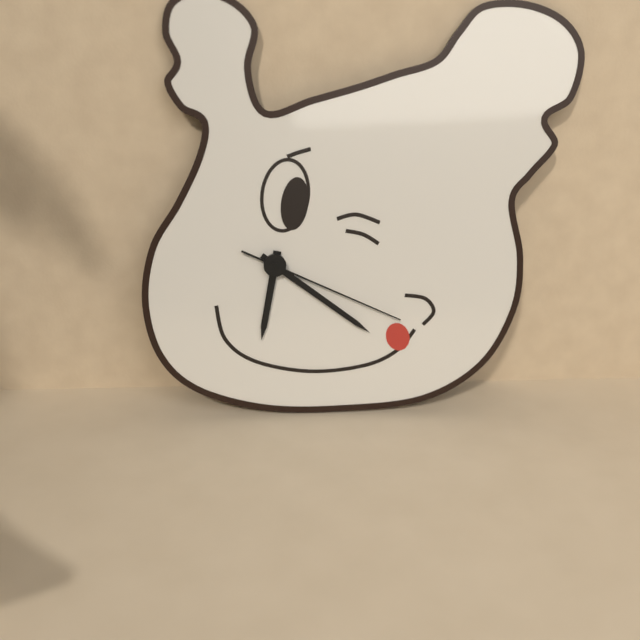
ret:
6,21,19
